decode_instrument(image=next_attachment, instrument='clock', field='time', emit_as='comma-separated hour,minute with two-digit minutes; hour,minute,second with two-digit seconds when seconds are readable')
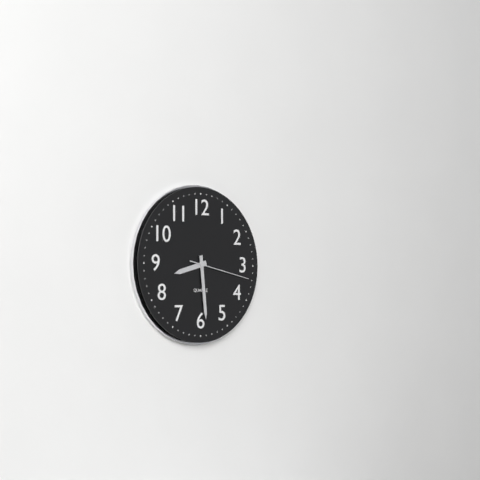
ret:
8,29,17
